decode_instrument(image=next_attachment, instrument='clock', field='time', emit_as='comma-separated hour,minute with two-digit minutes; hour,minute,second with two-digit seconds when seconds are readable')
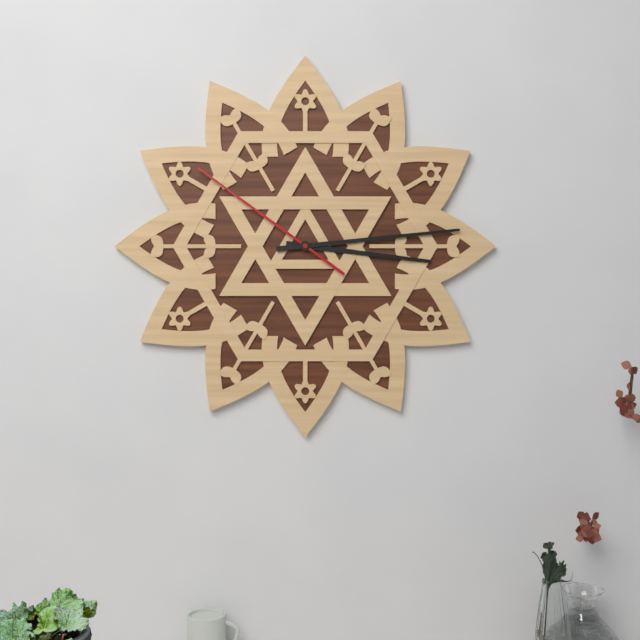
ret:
3,14,51
